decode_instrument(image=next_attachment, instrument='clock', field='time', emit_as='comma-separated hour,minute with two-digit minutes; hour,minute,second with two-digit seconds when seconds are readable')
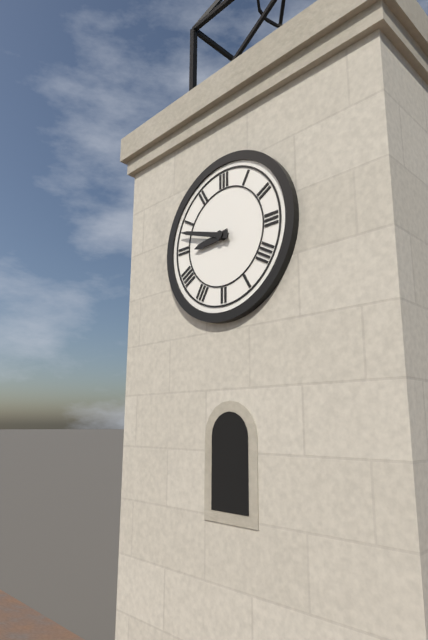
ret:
8,48
